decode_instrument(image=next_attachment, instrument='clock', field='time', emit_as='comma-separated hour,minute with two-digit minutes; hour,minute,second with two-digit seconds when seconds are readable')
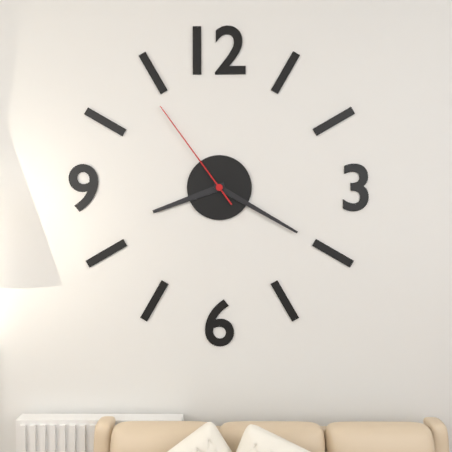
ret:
8,20,54
